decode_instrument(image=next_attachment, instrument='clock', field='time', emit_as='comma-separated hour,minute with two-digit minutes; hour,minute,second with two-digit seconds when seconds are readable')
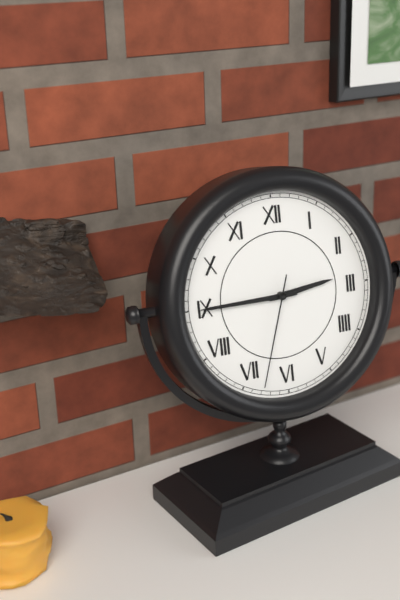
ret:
2,45,33
